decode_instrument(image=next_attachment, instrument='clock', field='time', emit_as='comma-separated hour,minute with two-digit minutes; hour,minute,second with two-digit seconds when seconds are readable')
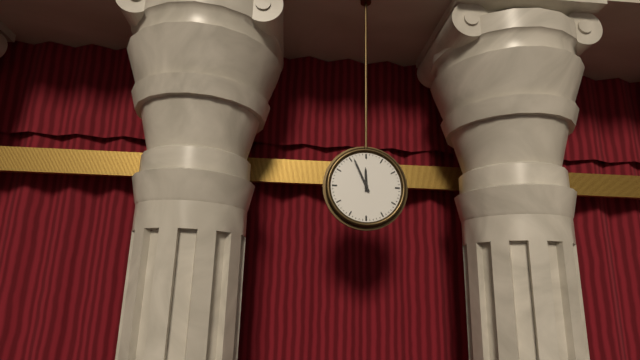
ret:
11,56
